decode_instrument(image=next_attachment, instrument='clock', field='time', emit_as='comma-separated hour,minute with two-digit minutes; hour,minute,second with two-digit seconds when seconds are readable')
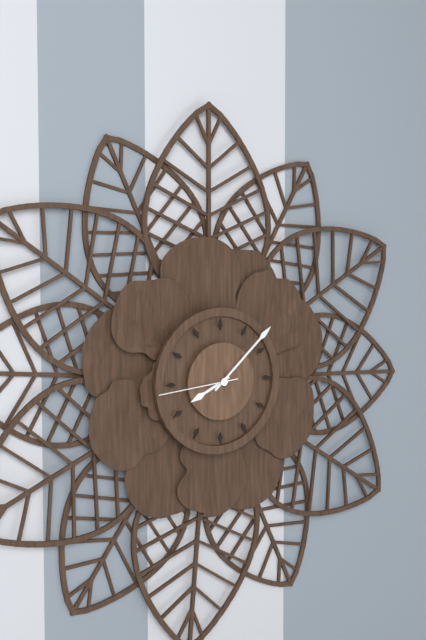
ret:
8,08,44
